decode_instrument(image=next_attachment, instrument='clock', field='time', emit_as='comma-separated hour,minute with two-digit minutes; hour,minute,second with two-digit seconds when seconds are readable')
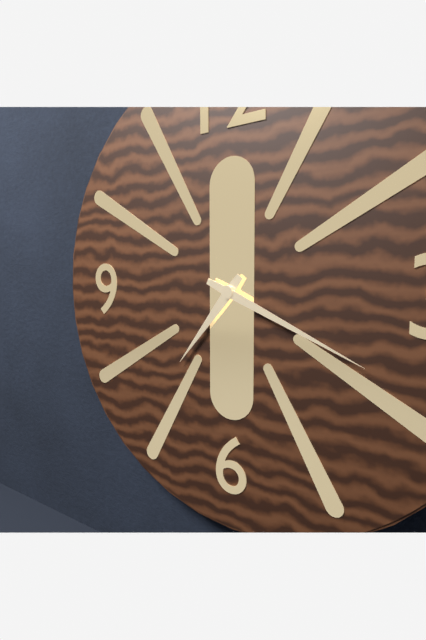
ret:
7,19
